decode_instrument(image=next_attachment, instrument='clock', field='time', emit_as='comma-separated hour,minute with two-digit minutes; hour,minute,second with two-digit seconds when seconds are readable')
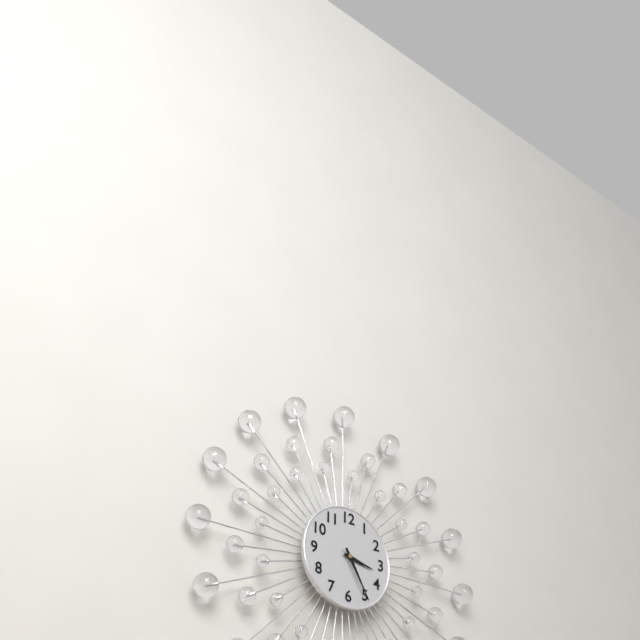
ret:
3,25
